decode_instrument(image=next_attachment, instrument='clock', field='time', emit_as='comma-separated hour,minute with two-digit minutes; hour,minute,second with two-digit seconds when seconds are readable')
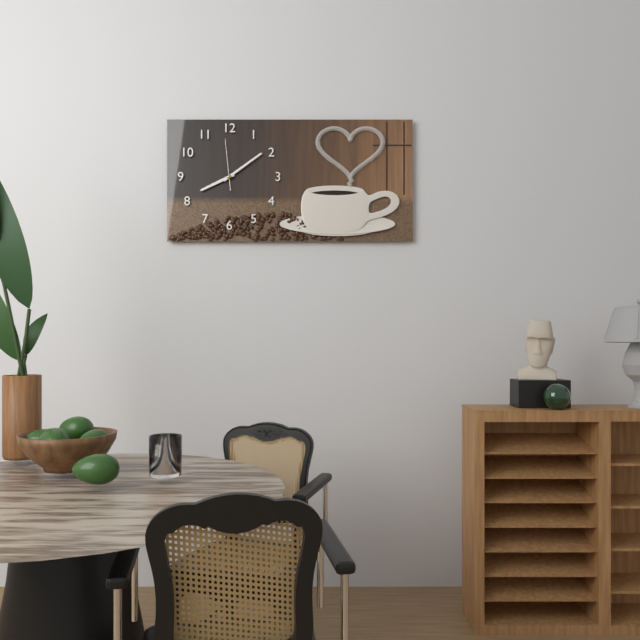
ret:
8,09
